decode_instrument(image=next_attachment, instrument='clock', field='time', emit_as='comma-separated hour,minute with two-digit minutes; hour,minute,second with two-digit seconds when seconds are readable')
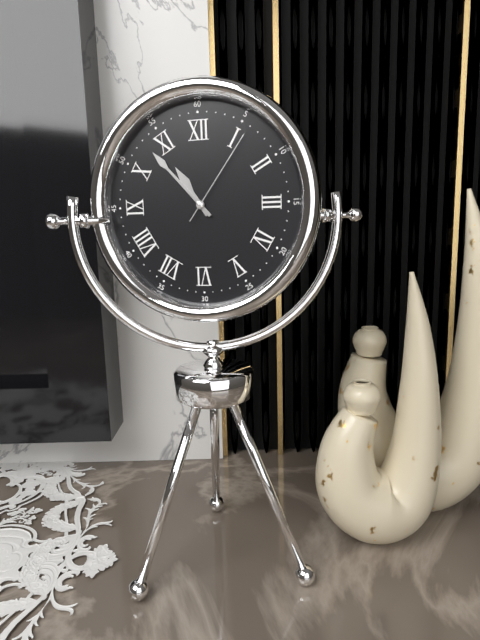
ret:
10,53,06
